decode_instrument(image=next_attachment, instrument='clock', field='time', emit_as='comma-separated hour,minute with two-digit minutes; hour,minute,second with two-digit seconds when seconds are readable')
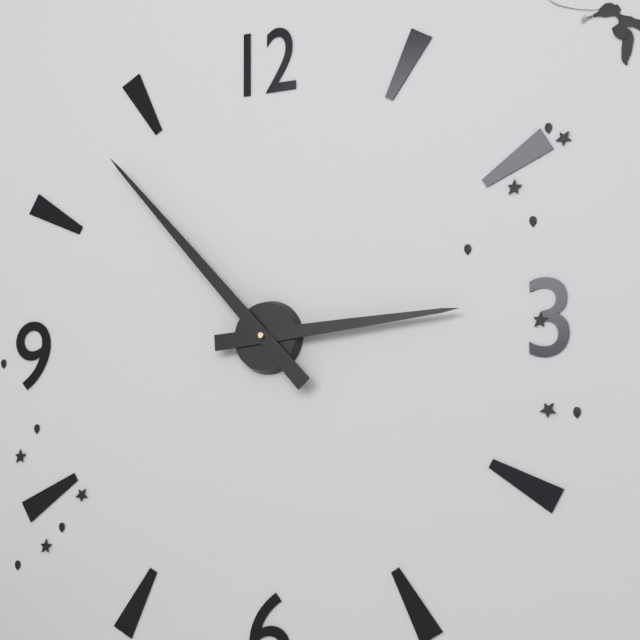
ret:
2,53
